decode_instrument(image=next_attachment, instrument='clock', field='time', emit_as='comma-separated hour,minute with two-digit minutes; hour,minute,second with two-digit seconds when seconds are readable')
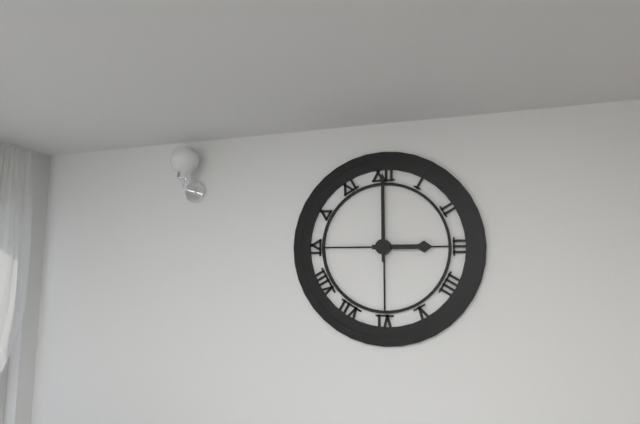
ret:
3,00
